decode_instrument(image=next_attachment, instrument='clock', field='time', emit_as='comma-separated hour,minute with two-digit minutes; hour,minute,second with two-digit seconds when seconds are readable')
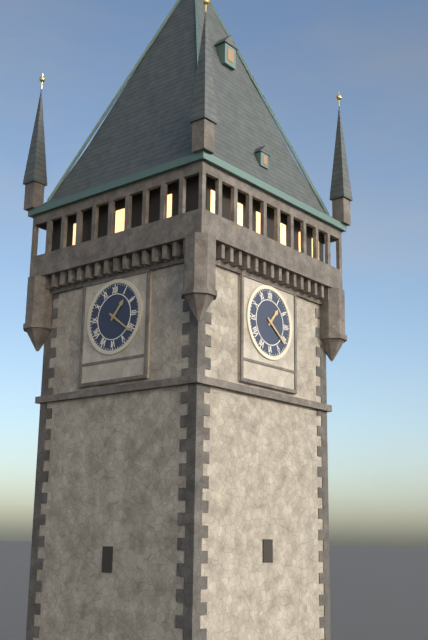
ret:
1,21
